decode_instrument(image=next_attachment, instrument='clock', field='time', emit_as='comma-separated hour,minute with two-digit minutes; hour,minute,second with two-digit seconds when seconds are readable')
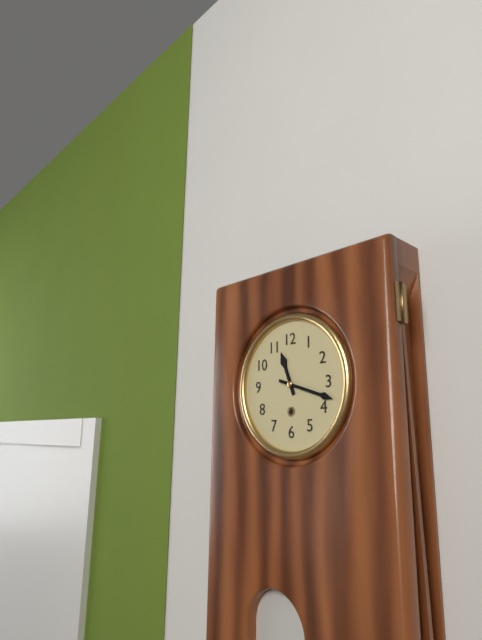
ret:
11,18
